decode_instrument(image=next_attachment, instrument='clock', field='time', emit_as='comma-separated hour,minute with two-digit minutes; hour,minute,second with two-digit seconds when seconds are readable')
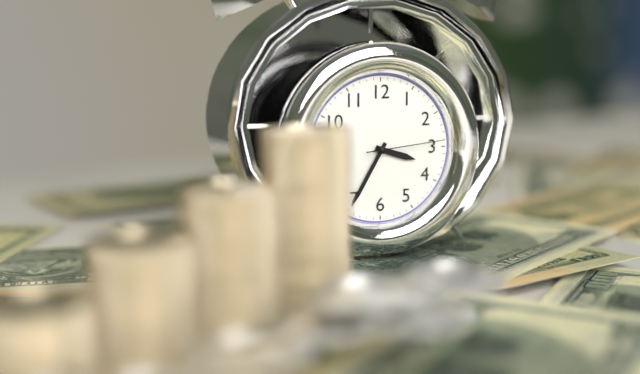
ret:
3,35,14
